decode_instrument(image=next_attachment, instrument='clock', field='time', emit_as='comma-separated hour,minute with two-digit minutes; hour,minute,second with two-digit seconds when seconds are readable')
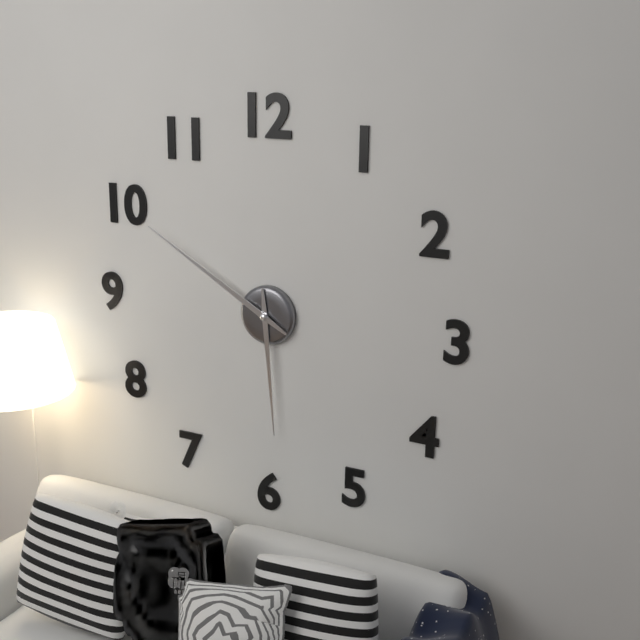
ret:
5,50
